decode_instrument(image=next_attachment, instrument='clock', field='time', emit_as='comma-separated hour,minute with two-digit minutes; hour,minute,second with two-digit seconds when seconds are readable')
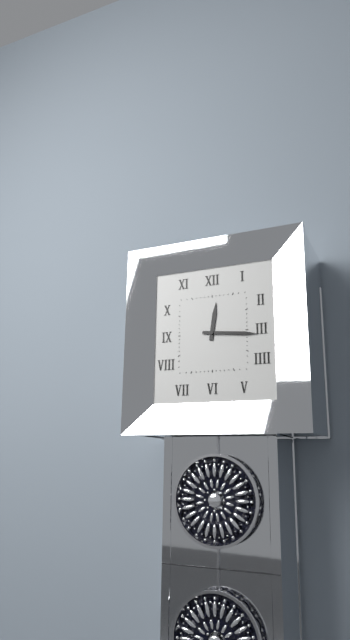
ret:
12,16
